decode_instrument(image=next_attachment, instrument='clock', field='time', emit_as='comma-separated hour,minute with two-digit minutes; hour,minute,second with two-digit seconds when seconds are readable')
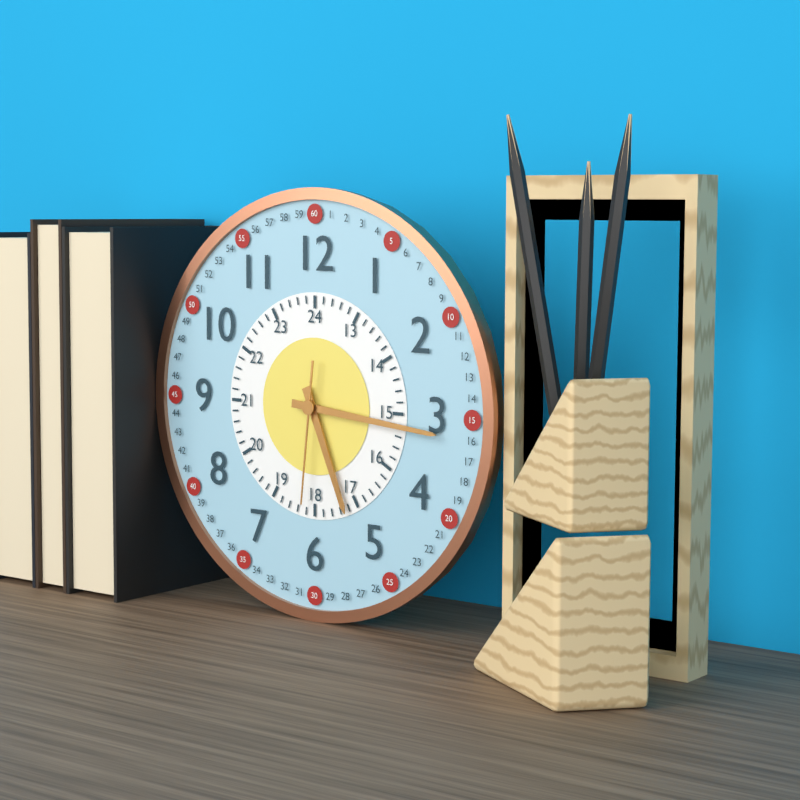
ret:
5,16,31
